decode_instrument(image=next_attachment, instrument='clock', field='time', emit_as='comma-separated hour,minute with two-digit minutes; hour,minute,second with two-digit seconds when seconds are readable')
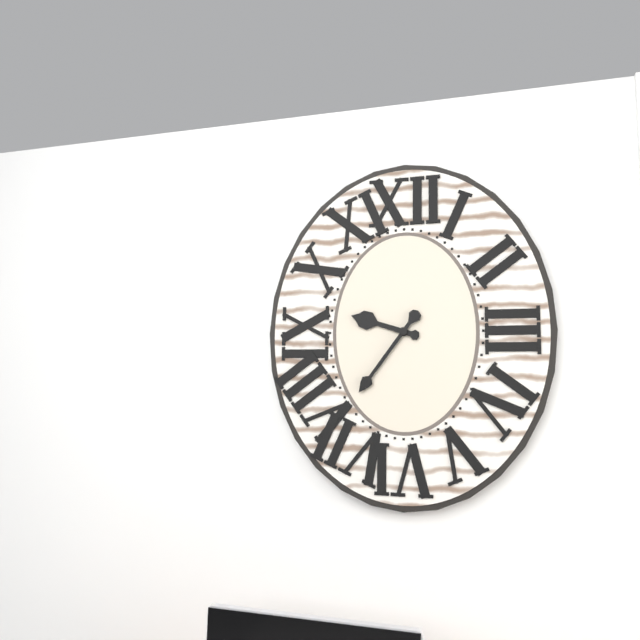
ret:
9,36
